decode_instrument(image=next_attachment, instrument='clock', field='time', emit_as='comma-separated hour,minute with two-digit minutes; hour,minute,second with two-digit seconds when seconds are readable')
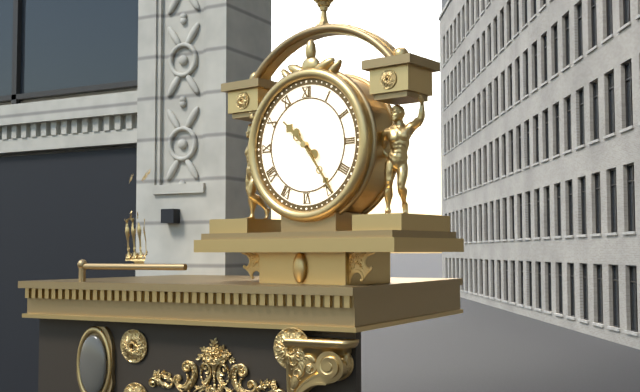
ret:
10,24
